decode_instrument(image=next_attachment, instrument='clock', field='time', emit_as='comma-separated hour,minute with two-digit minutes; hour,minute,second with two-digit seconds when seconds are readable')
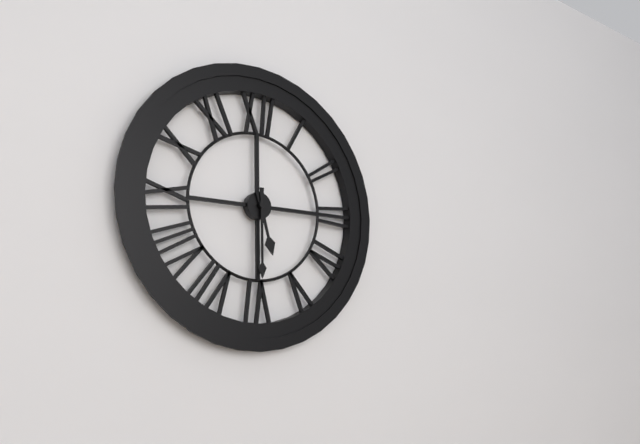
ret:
5,30
